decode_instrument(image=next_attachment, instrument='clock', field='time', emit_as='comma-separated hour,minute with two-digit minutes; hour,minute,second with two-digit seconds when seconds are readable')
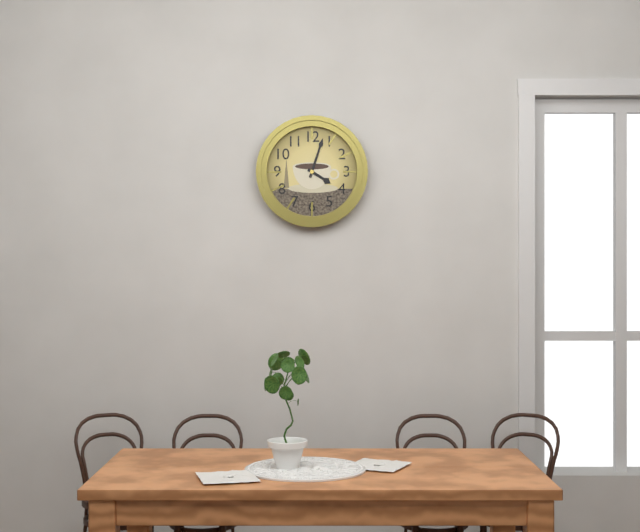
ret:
4,03
